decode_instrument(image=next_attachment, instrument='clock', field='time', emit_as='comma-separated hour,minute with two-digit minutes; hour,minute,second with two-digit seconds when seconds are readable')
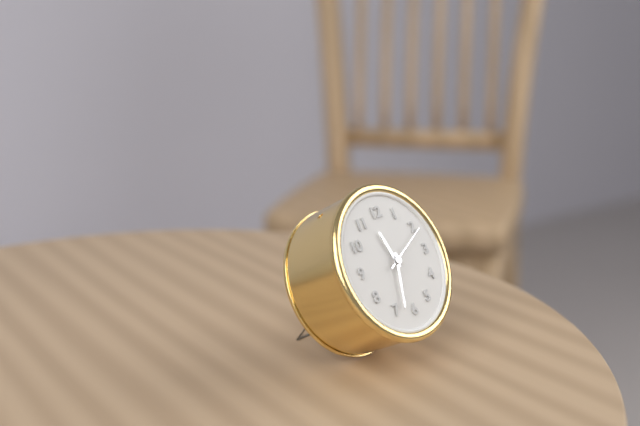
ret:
11,33
